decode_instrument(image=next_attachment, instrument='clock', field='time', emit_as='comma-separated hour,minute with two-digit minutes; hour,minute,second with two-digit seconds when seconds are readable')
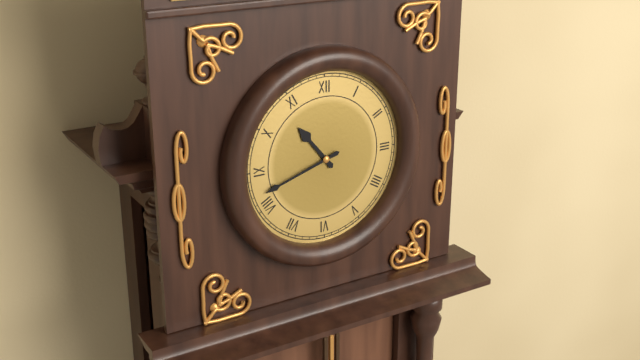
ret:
10,42
